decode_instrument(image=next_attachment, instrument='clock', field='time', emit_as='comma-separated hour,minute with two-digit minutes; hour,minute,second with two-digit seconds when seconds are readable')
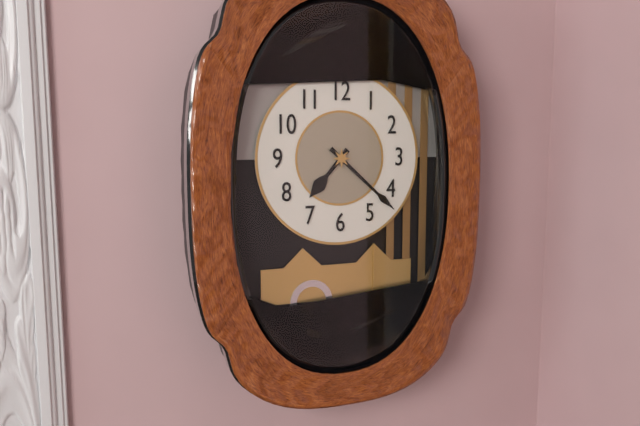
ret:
7,22
